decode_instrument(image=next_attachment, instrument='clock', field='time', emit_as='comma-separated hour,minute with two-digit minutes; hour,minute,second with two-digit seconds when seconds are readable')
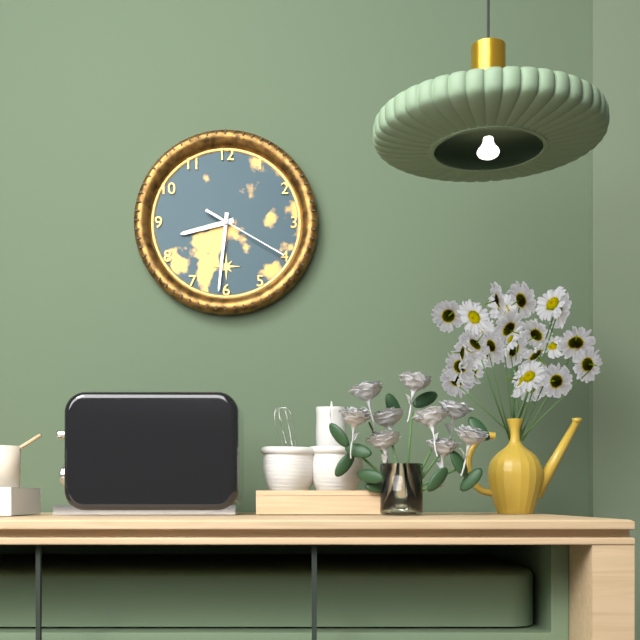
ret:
8,31,20
